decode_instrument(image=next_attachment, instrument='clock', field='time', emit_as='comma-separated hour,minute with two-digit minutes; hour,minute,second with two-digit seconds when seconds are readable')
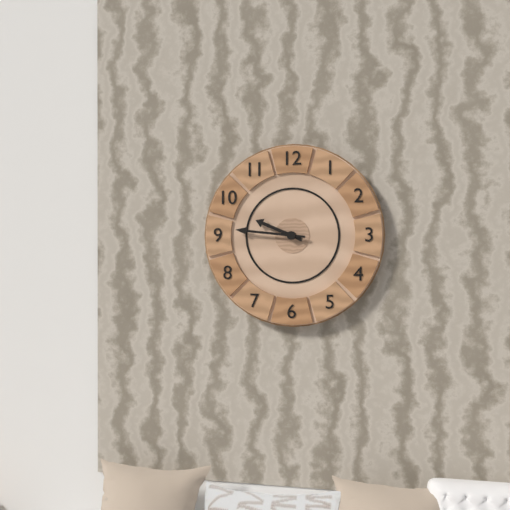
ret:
9,46
